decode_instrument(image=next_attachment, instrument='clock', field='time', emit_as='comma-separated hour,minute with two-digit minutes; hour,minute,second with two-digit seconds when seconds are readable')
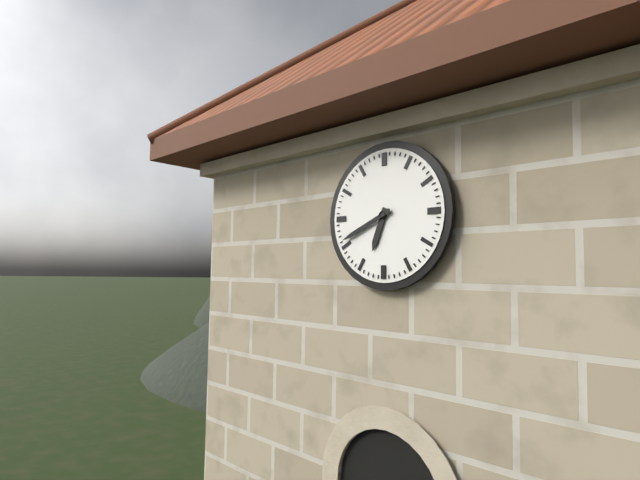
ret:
6,41
